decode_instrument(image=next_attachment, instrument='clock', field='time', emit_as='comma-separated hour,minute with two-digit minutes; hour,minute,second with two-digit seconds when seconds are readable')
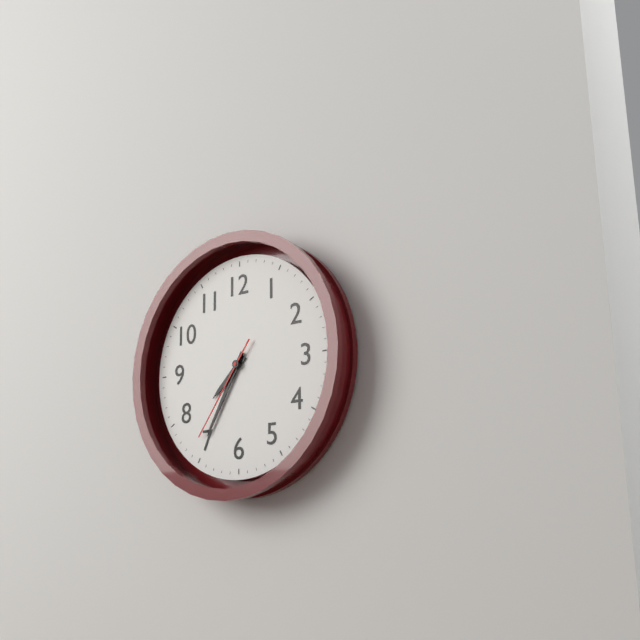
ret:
7,35,36
